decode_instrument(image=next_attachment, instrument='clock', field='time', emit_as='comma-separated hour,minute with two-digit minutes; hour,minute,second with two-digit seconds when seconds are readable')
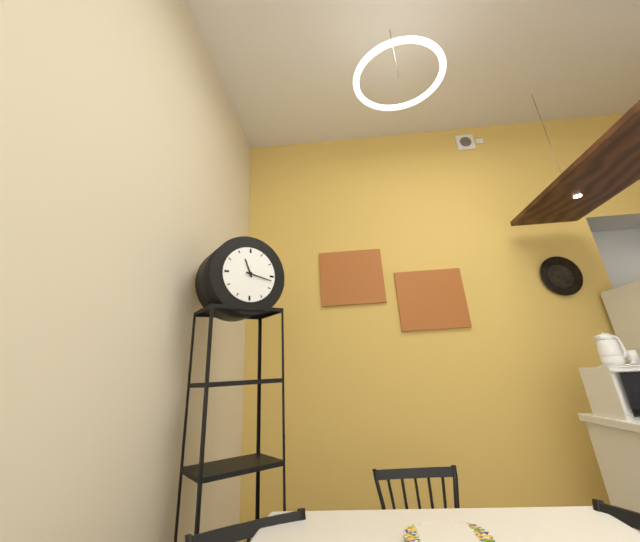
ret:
11,17
